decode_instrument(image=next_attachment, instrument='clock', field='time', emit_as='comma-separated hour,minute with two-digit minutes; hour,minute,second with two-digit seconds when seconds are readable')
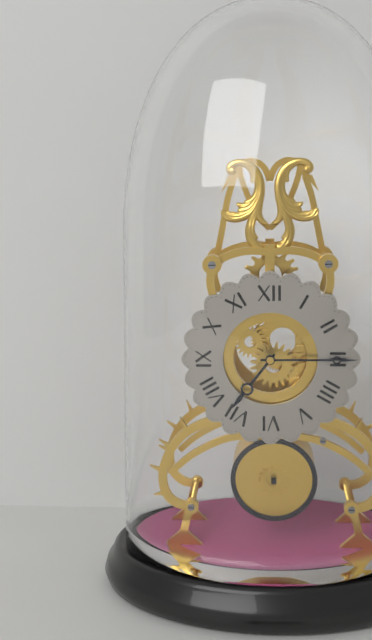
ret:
7,15
